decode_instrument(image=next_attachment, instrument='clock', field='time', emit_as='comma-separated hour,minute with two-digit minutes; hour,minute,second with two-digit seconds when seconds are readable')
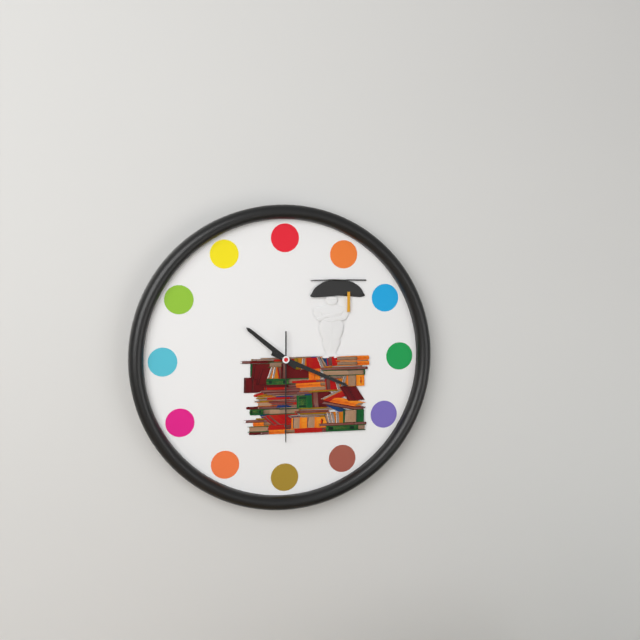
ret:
10,19,30
